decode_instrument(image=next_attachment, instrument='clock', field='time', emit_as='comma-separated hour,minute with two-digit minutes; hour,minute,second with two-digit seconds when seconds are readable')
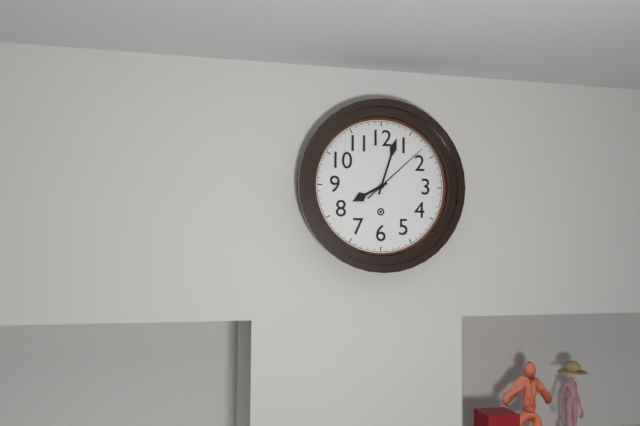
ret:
8,03,08
